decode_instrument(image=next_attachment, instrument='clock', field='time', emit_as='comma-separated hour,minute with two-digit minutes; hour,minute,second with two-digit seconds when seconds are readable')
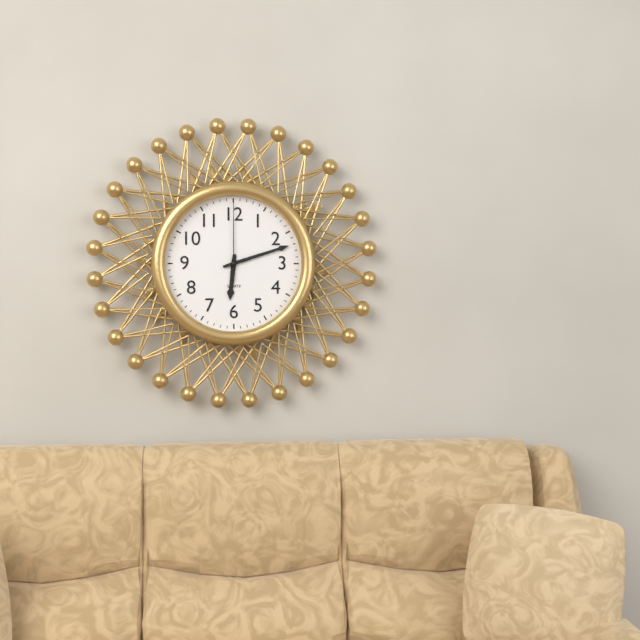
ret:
6,12,00
